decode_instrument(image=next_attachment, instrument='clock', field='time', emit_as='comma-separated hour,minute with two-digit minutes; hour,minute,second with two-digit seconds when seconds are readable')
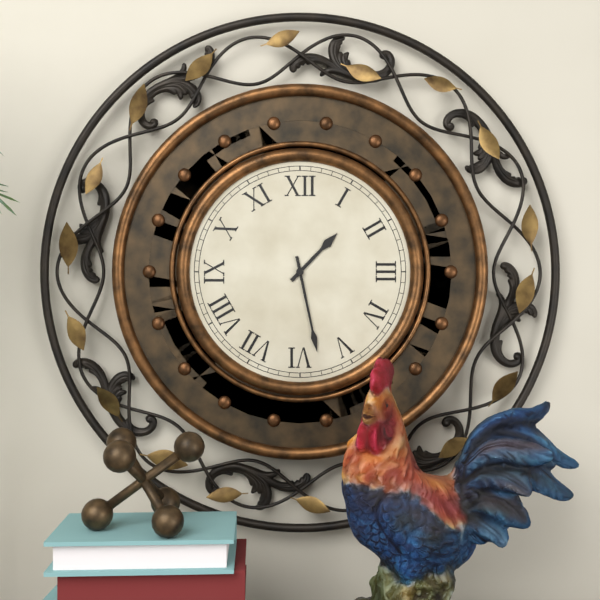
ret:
1,28
